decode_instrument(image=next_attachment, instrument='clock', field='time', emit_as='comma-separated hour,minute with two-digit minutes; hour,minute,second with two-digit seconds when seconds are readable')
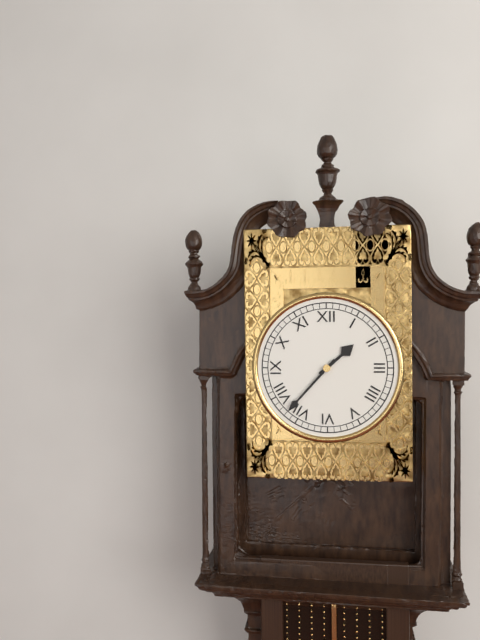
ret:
1,37
